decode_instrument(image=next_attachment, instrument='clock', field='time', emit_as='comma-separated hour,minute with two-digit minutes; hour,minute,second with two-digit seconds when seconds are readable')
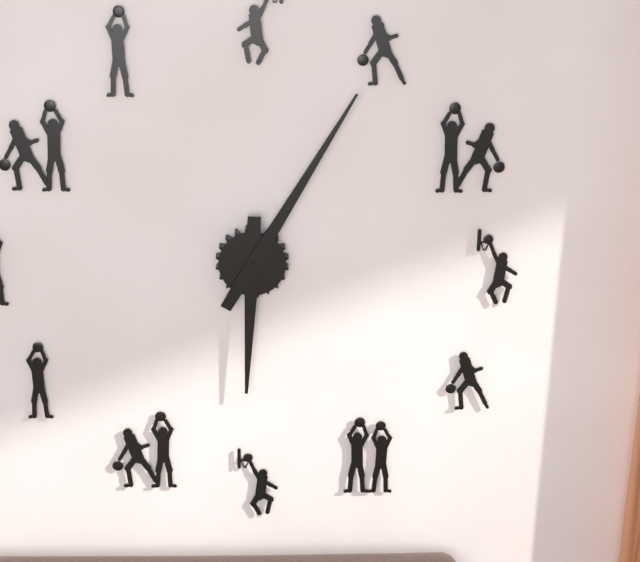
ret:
6,05
